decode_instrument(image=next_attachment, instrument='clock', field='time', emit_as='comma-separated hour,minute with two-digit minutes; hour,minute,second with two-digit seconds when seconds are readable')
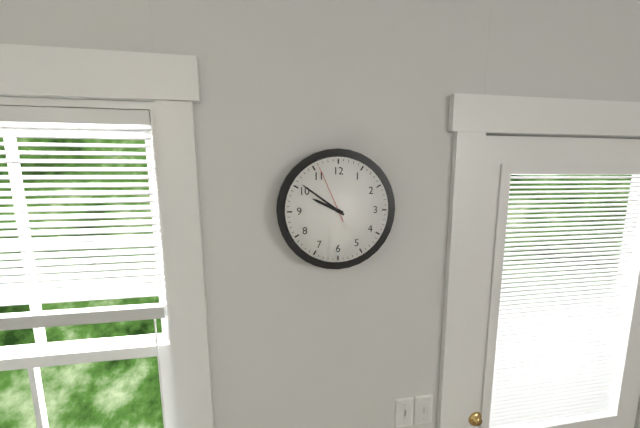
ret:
9,51,56
